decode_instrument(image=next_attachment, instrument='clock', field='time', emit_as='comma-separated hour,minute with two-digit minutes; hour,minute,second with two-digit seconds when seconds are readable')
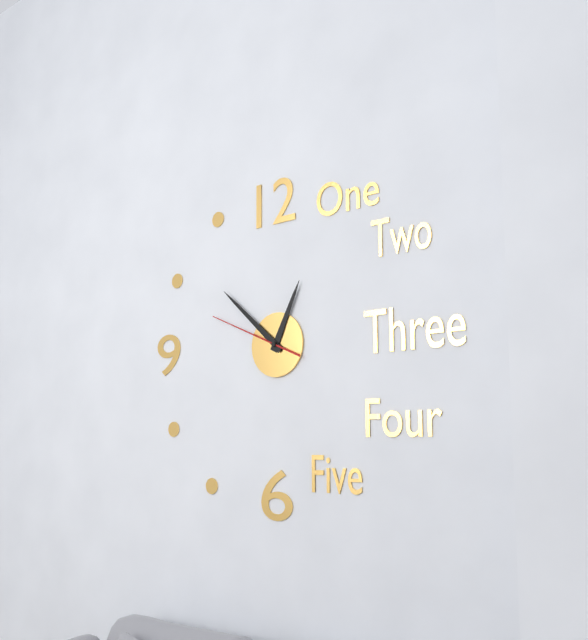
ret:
12,52,49
